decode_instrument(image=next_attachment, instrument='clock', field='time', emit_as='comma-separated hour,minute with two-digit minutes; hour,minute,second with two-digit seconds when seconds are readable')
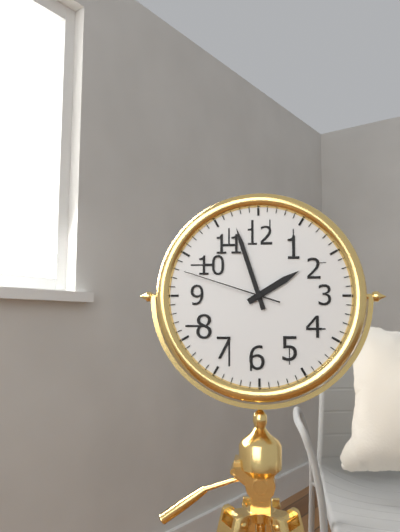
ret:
1,57,48
